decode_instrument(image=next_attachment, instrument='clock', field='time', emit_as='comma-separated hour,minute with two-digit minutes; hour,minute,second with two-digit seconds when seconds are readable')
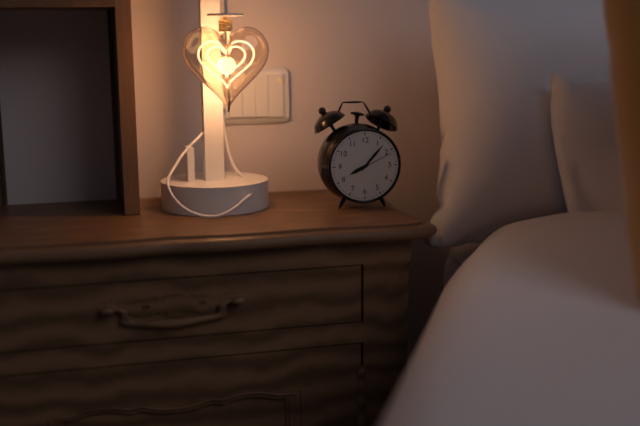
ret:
8,07
